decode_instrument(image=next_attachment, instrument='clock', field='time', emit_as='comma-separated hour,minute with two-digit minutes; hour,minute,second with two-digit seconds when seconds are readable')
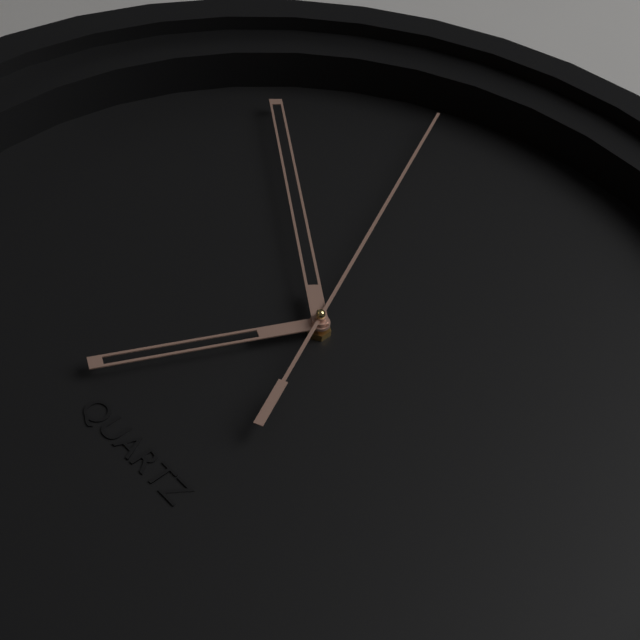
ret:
6,51,56
